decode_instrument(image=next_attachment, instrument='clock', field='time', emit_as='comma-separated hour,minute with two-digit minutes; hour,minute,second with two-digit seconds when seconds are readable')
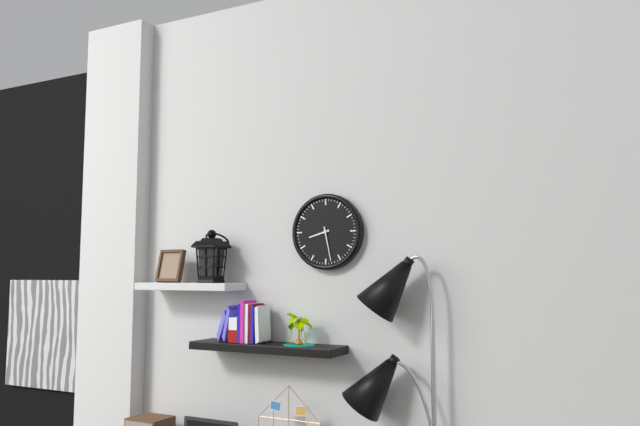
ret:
8,28
